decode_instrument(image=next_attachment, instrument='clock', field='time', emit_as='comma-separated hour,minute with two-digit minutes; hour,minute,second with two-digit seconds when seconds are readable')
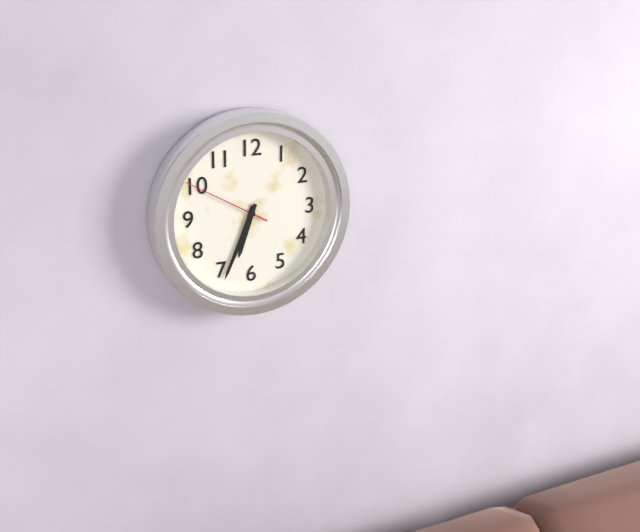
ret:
6,34,50
